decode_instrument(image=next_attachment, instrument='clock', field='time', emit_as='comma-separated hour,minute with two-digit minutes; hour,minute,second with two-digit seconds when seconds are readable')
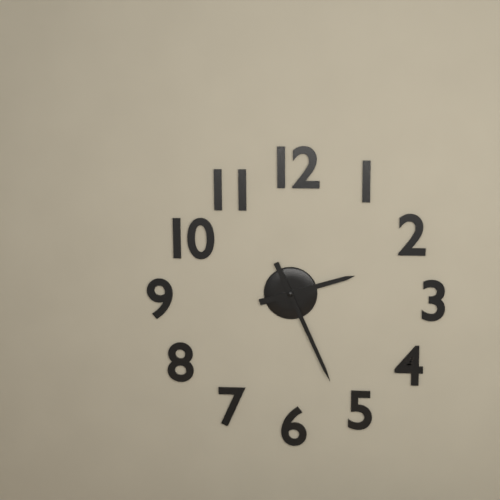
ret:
2,26
